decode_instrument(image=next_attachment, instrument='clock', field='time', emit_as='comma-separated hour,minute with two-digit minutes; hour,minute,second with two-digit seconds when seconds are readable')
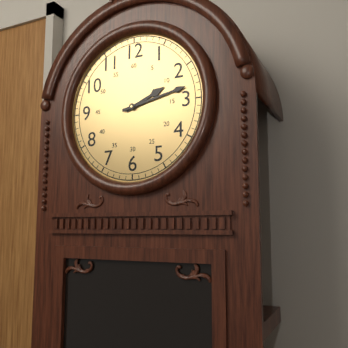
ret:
2,13
